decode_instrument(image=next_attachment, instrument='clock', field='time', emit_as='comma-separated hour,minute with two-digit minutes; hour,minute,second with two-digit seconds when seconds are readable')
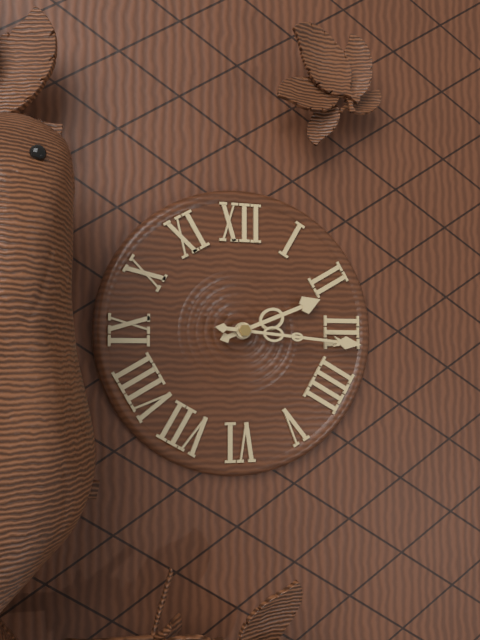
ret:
2,16
